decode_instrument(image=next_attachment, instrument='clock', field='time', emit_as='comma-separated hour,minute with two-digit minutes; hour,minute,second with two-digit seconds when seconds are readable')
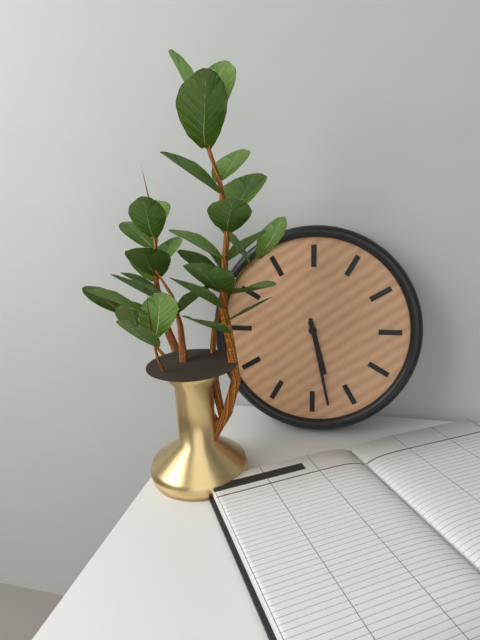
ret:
5,28
